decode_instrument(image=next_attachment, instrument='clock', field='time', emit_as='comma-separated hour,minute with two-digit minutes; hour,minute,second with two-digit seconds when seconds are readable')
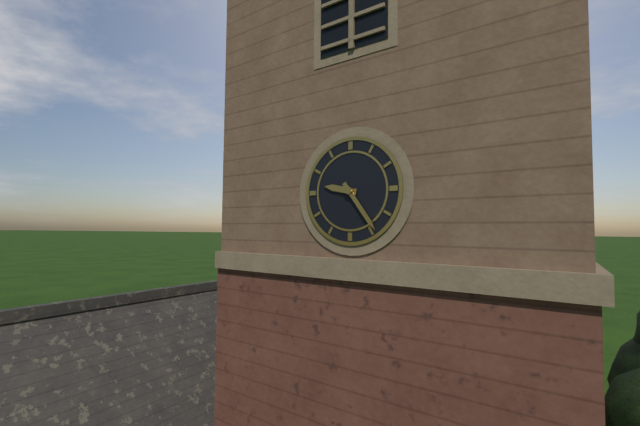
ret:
9,24
